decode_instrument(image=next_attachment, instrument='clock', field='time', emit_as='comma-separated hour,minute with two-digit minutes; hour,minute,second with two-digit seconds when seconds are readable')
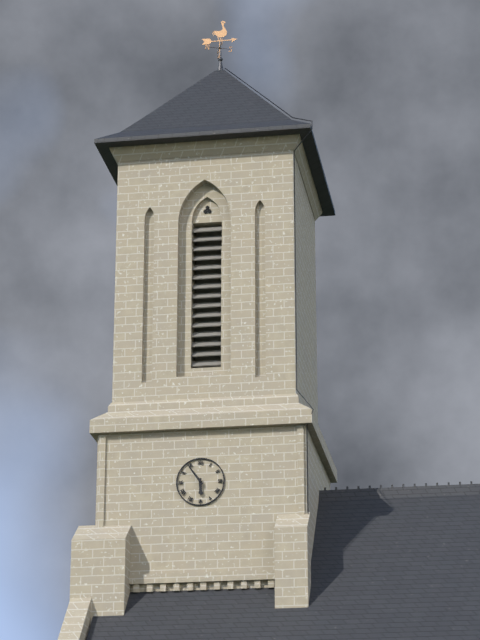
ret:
5,54
